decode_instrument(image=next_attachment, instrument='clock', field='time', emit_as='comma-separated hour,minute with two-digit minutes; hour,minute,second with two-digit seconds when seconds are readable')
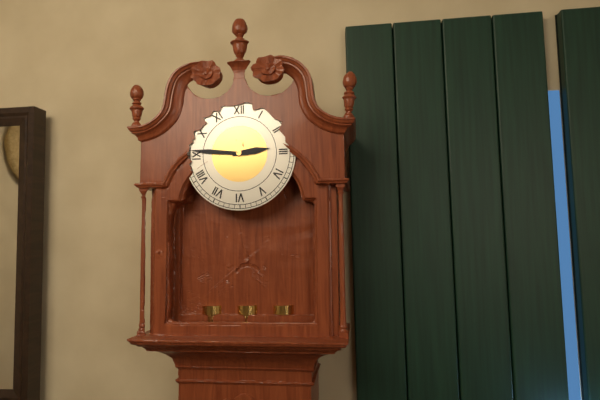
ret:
2,46
